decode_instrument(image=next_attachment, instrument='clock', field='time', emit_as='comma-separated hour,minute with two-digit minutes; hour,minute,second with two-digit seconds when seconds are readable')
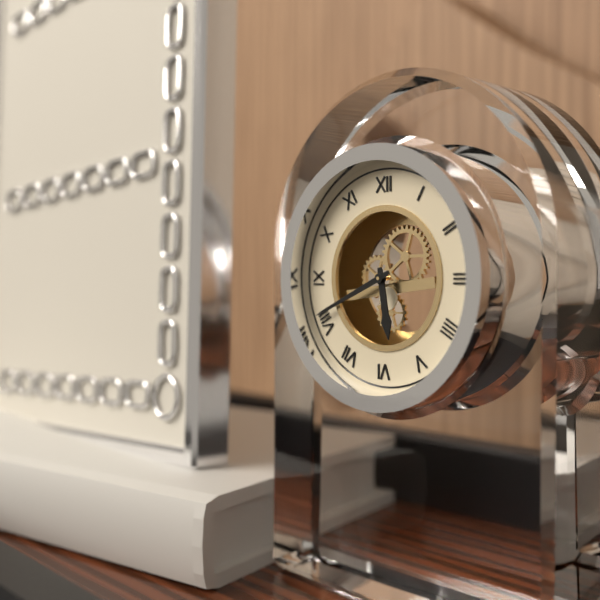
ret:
5,41
